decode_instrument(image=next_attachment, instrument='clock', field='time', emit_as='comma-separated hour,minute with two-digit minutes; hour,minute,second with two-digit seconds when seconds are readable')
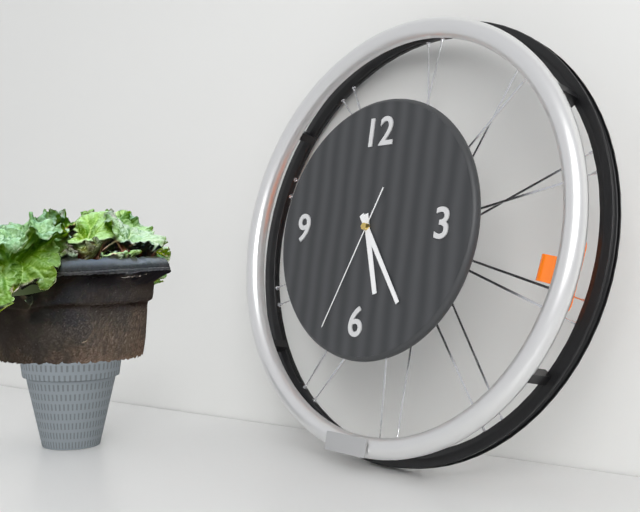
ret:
5,24,34
